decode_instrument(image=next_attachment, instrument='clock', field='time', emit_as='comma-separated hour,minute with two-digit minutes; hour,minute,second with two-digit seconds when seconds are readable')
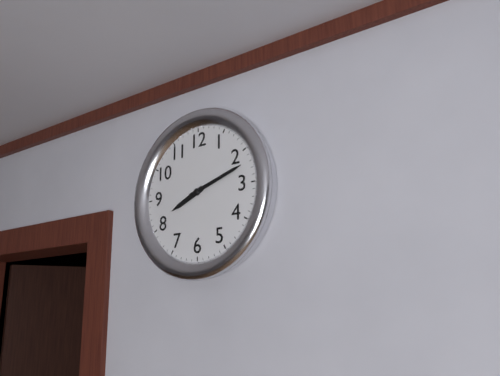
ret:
8,12
